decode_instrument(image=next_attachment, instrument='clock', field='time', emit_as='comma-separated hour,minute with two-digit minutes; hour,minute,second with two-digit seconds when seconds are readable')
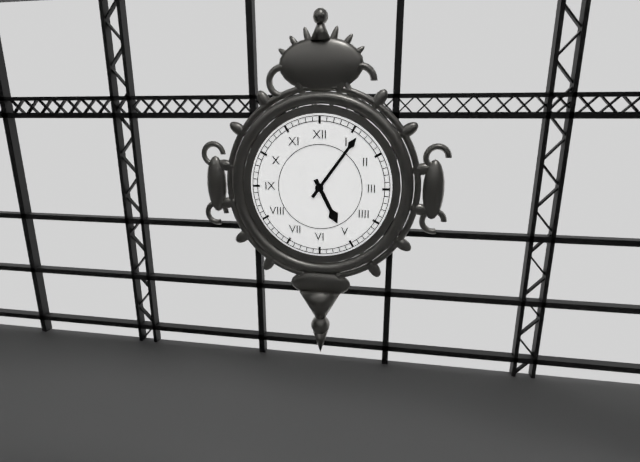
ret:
5,06
